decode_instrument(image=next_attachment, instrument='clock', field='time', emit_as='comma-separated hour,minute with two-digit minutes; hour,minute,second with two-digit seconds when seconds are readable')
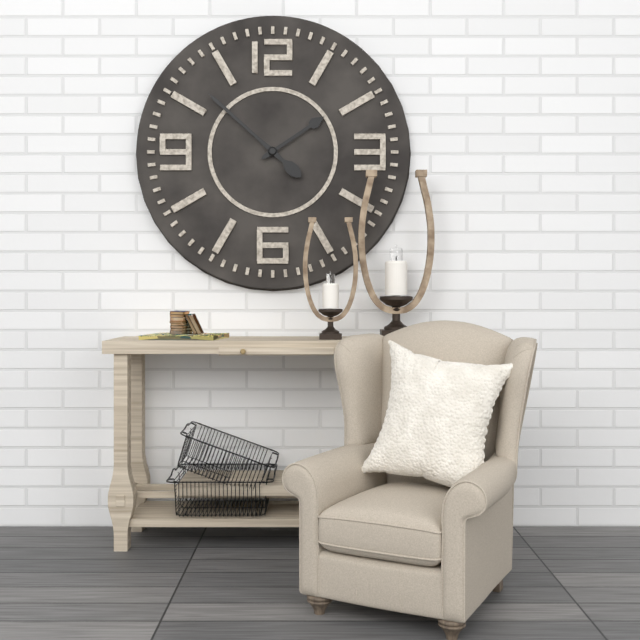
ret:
1,52
